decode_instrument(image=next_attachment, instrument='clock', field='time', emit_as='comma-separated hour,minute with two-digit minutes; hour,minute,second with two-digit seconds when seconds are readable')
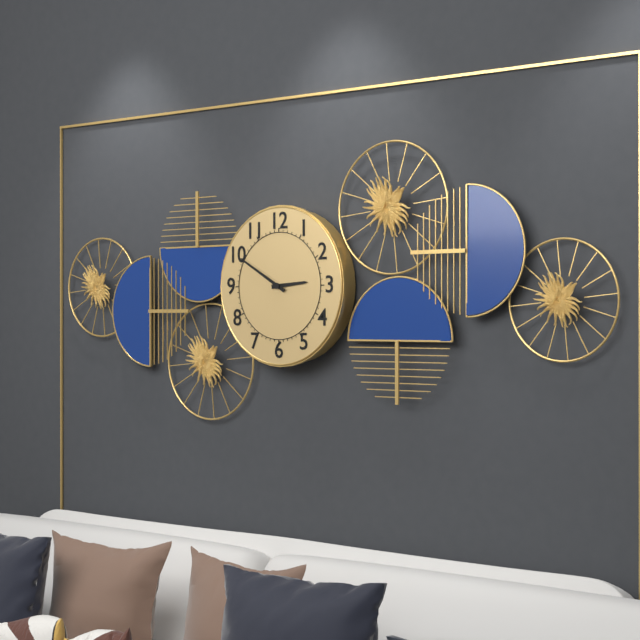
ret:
2,50
